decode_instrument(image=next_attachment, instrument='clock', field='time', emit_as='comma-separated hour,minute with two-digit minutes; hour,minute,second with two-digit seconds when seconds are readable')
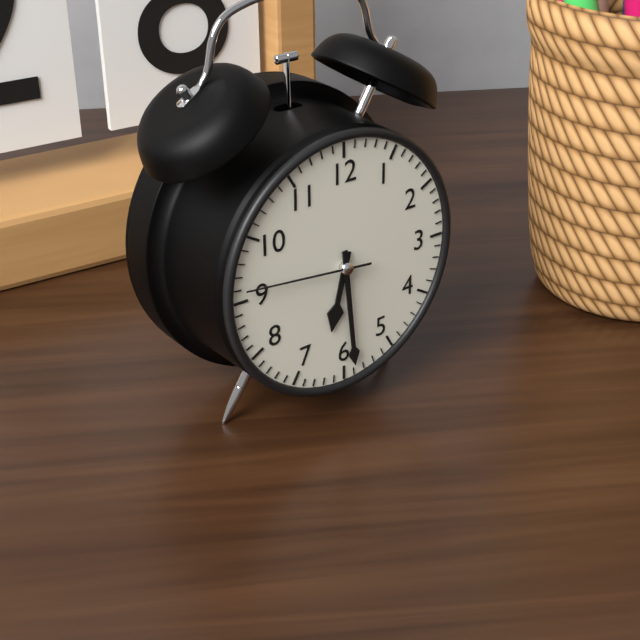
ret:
6,29,46
